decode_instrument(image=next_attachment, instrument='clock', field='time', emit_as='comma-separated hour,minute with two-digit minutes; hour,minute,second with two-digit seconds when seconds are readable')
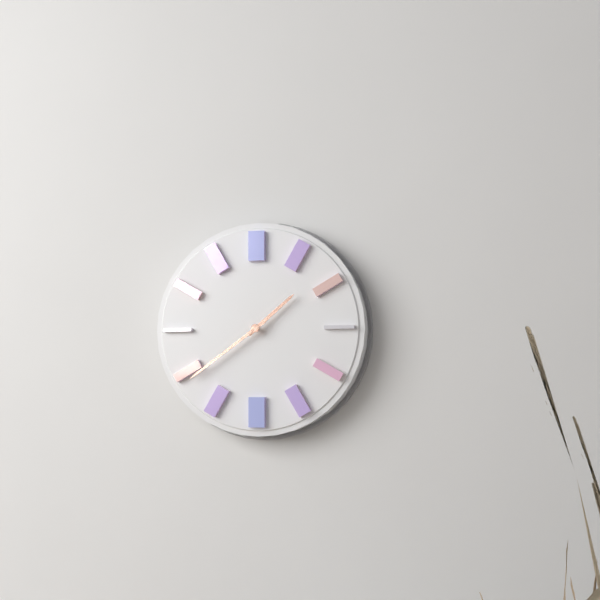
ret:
1,39
